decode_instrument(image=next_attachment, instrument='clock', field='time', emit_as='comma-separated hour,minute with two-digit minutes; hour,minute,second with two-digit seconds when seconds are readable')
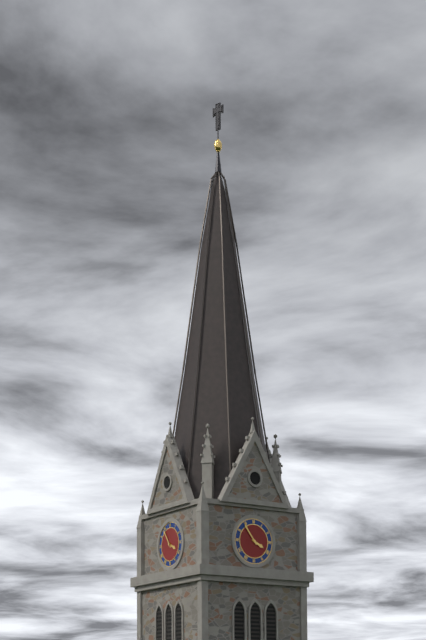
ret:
3,54
